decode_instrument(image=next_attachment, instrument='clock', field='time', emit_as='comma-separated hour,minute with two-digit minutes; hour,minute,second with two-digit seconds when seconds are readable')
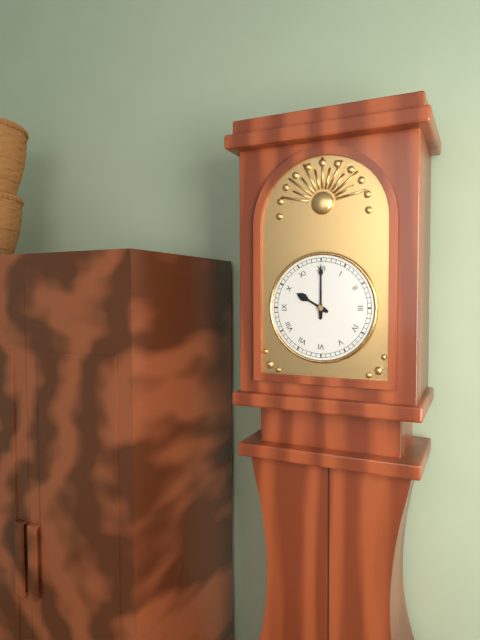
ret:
10,00
